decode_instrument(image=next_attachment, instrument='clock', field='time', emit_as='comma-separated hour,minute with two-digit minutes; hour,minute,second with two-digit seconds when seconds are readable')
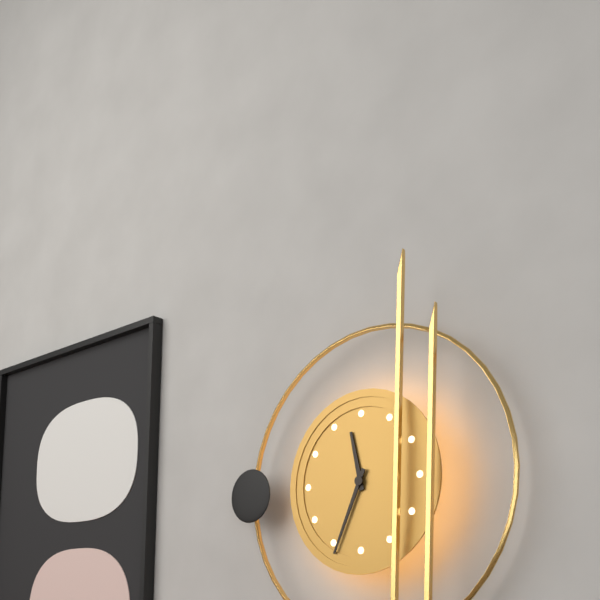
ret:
11,34
